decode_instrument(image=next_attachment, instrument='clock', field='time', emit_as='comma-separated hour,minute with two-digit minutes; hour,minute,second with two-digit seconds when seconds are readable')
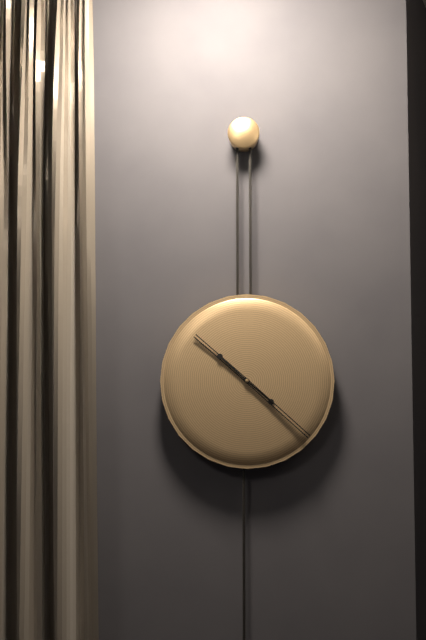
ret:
10,22
